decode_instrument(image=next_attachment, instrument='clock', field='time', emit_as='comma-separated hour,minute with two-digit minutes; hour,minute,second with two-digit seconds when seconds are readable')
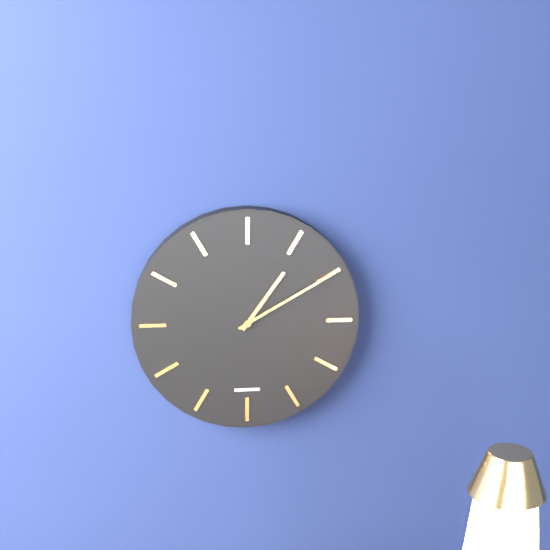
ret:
1,10
